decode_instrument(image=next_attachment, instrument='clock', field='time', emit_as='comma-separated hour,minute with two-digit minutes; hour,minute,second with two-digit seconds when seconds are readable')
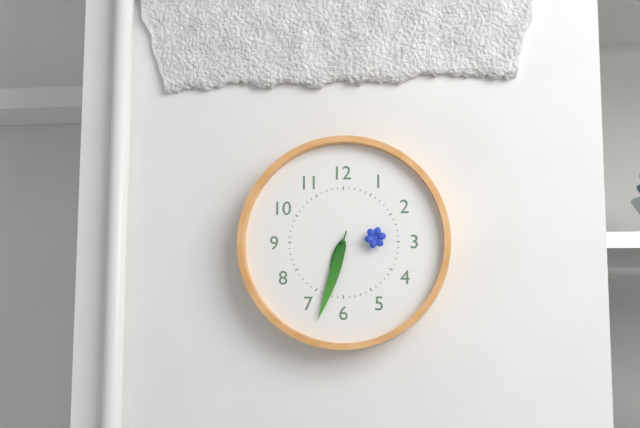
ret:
6,33,14
